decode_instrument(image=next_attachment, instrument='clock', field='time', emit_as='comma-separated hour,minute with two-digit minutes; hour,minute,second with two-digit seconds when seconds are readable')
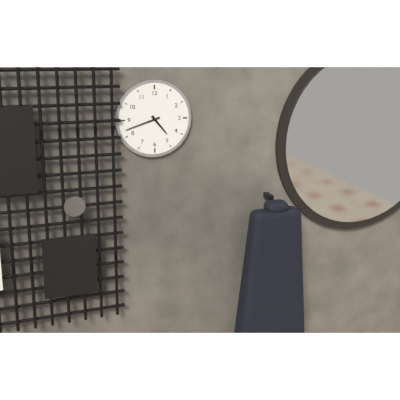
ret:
4,42
